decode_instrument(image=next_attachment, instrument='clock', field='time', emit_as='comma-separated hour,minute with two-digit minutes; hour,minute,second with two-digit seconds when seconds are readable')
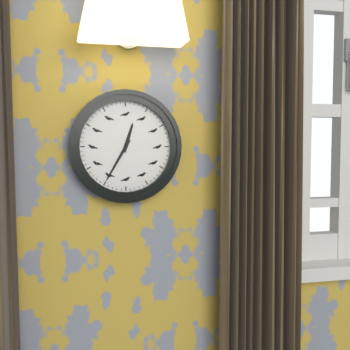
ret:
12,35
